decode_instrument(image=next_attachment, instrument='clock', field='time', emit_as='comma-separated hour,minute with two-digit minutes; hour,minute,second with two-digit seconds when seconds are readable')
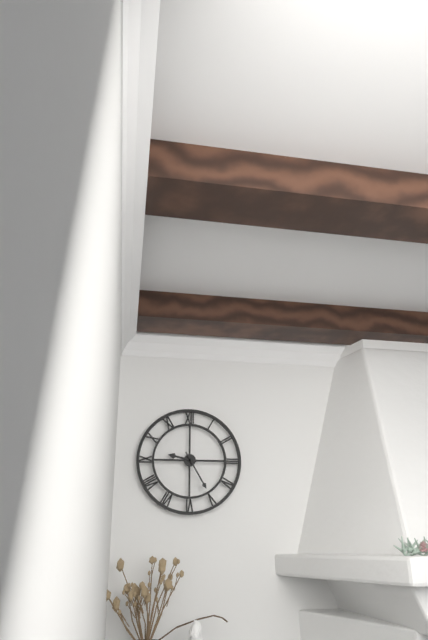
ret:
9,25
